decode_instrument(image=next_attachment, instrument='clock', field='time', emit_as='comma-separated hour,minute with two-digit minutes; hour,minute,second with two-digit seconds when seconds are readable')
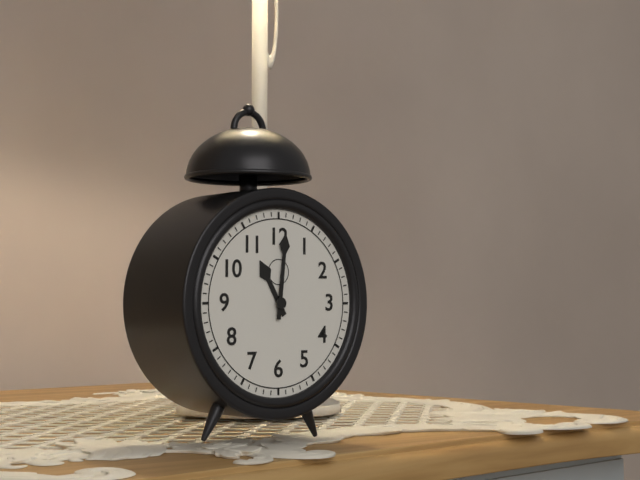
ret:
11,01
